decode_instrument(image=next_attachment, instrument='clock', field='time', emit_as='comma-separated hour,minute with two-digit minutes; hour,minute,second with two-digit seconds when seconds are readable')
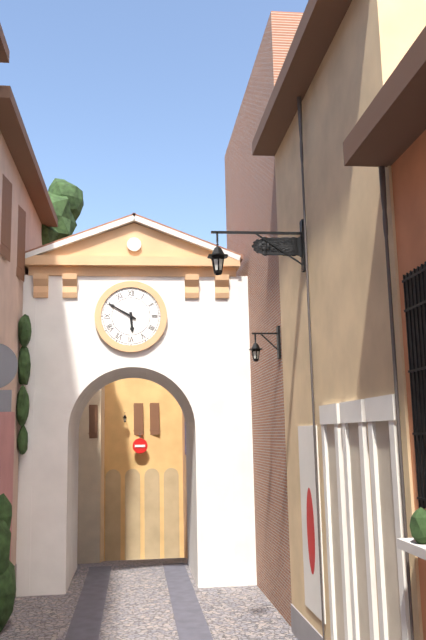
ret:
5,50
